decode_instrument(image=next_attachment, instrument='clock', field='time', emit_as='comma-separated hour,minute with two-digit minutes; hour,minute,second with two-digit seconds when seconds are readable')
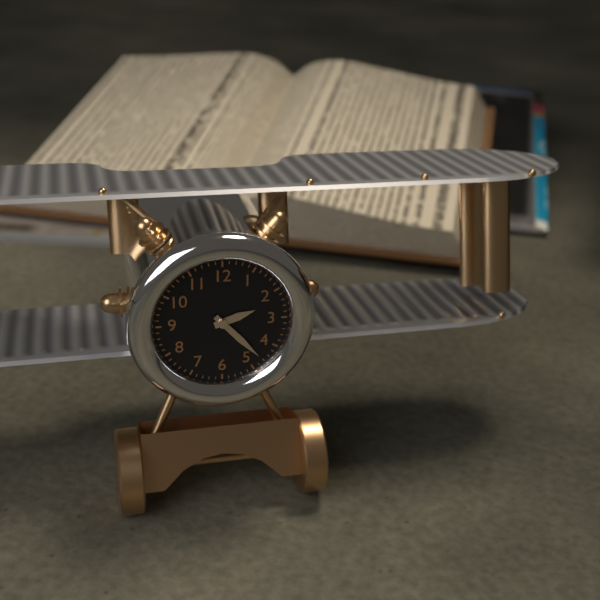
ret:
2,23
